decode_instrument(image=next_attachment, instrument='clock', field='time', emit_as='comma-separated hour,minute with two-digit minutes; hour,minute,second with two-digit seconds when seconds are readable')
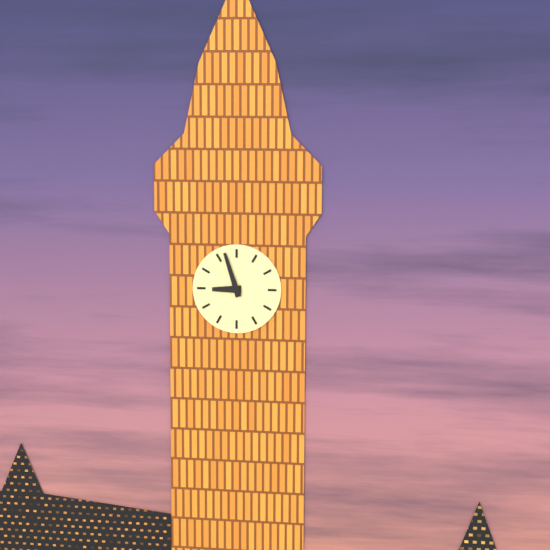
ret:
8,57
